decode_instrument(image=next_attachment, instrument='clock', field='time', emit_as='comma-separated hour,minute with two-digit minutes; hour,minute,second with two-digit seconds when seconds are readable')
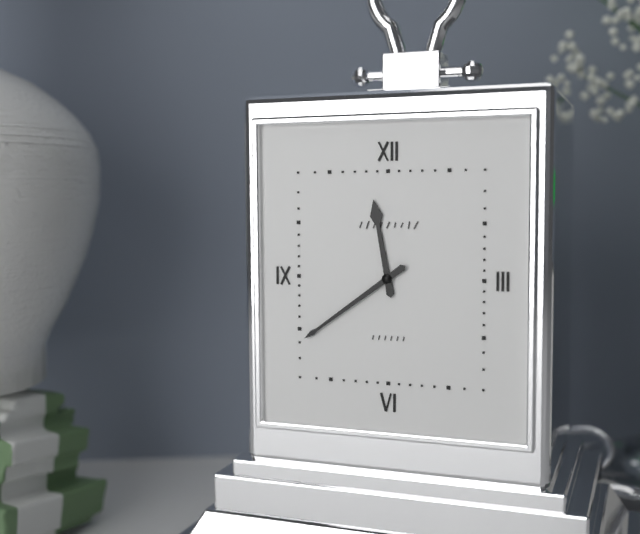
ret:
11,39
